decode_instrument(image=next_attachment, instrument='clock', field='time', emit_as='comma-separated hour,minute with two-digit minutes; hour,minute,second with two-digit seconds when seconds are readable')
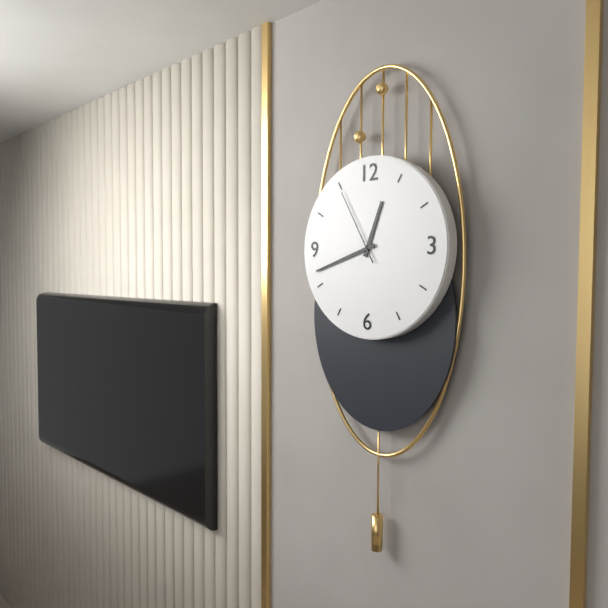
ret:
12,42,55
